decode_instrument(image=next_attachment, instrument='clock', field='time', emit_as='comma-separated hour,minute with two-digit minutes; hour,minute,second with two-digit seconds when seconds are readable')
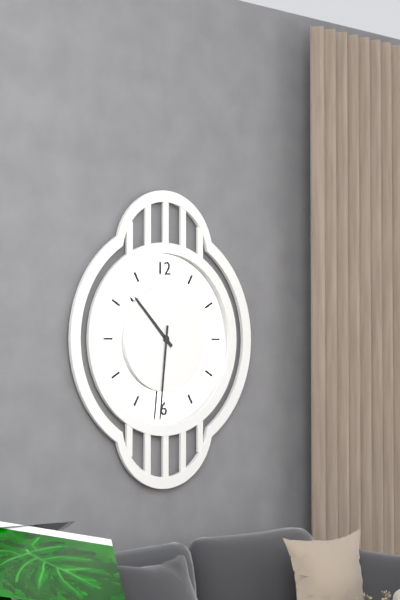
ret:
10,31
